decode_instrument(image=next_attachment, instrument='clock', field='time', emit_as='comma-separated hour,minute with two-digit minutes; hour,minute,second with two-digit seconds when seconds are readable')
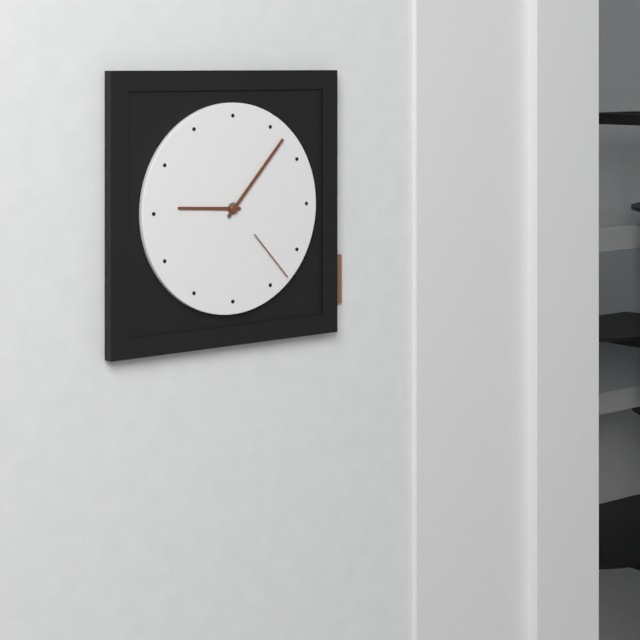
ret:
9,07,23
